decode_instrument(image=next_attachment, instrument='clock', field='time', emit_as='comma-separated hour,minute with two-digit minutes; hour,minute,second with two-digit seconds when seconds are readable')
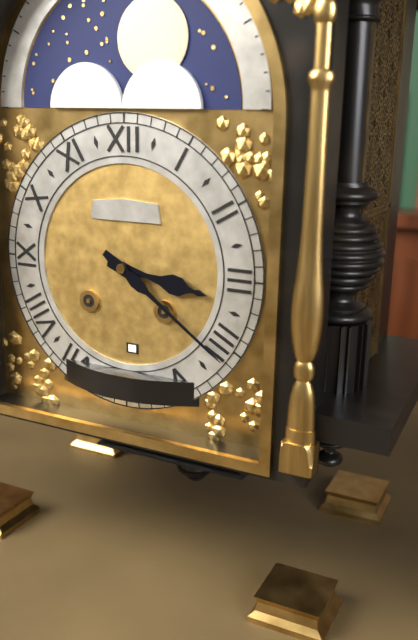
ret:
3,21
